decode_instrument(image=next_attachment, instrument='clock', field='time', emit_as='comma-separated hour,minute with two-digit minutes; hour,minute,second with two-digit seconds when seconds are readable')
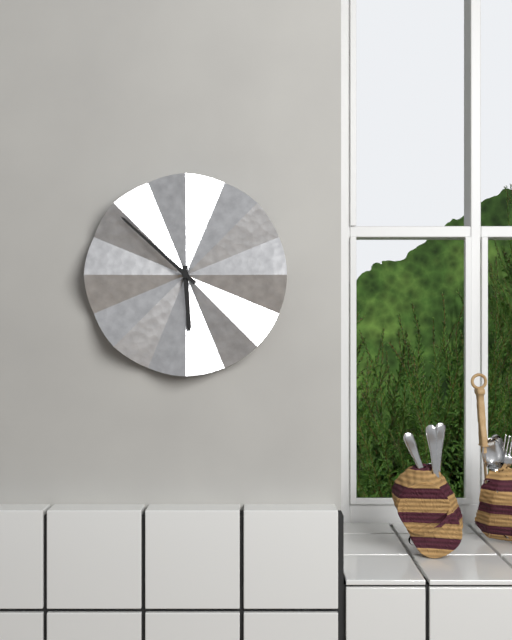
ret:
5,52
